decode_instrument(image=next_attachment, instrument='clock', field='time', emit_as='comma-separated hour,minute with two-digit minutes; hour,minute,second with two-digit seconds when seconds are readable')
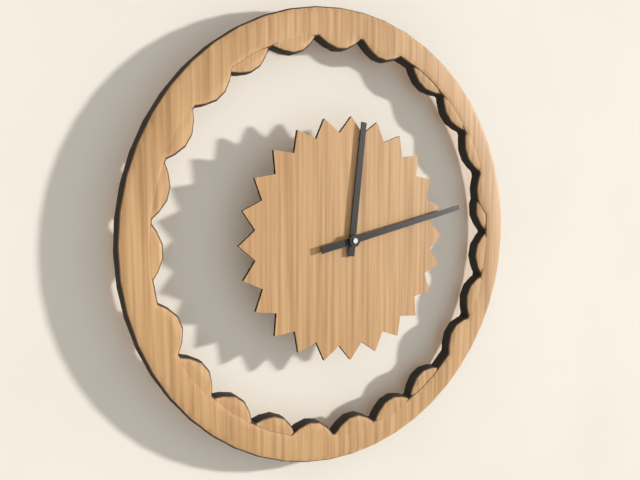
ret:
12,13
